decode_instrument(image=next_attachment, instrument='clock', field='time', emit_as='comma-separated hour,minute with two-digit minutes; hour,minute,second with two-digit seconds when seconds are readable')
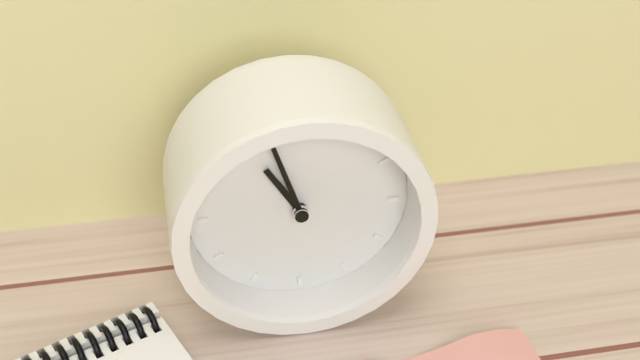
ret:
10,57
